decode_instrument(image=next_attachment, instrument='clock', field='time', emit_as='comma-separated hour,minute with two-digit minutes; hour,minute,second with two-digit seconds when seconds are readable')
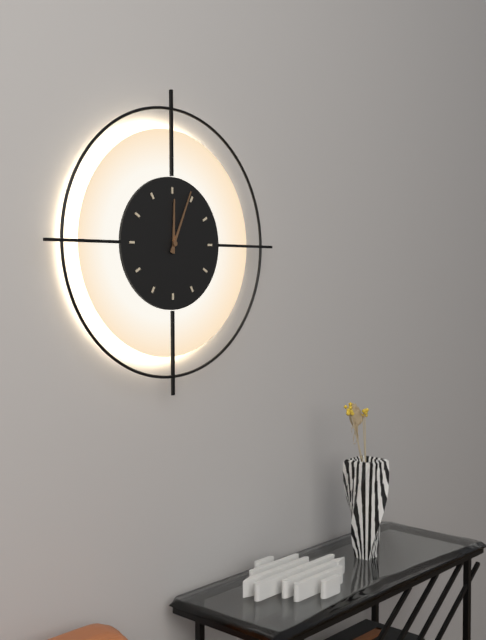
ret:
12,04
